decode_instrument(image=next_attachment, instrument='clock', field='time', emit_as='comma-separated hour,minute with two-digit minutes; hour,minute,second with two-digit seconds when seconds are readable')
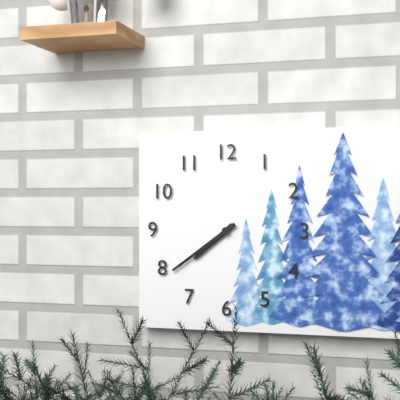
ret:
7,39
